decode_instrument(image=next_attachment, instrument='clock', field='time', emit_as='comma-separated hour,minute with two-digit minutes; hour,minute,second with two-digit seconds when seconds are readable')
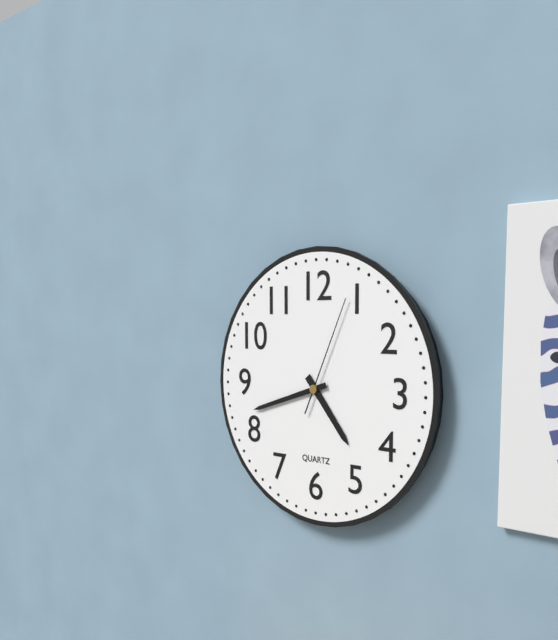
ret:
4,42,04
